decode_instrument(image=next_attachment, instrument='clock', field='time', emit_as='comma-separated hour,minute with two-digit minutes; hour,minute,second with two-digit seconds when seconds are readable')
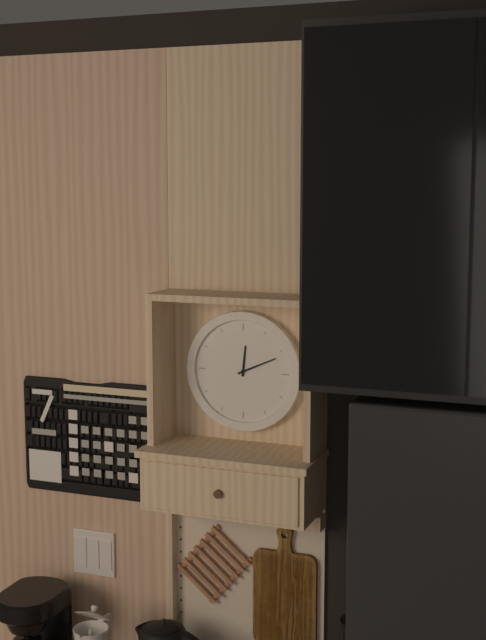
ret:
12,11
